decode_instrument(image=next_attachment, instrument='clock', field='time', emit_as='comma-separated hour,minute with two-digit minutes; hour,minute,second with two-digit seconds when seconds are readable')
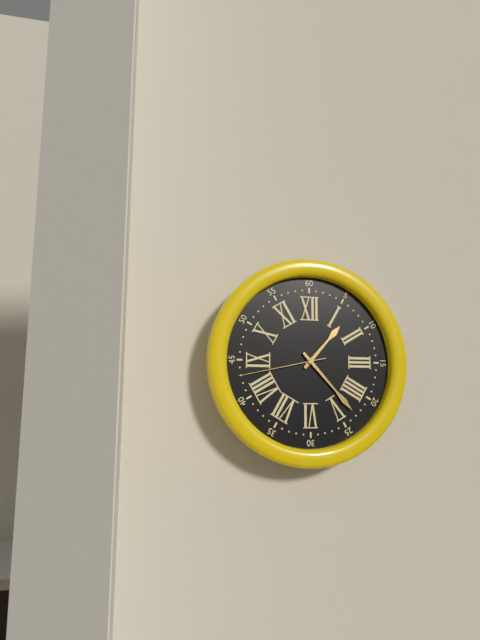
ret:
1,23,43
